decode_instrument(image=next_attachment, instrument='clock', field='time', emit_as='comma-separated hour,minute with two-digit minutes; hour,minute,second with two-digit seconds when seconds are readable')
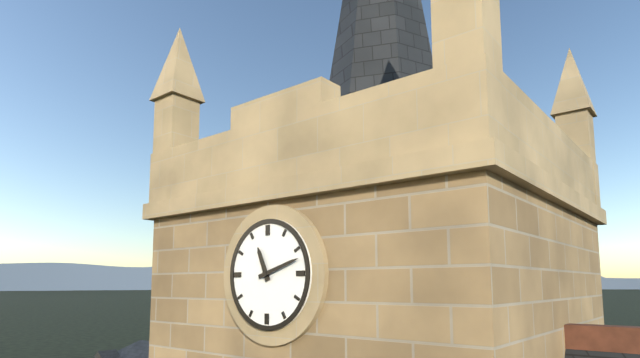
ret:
11,12
